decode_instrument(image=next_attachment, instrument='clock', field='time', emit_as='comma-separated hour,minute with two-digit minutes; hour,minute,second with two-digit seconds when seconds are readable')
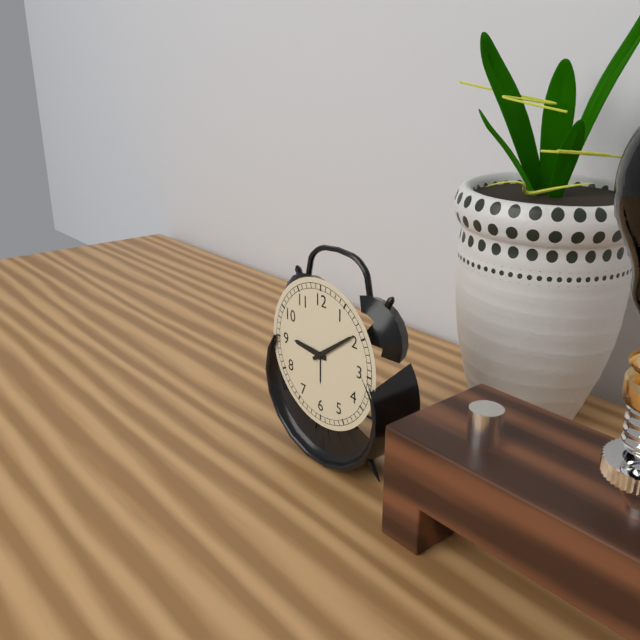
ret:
9,09
